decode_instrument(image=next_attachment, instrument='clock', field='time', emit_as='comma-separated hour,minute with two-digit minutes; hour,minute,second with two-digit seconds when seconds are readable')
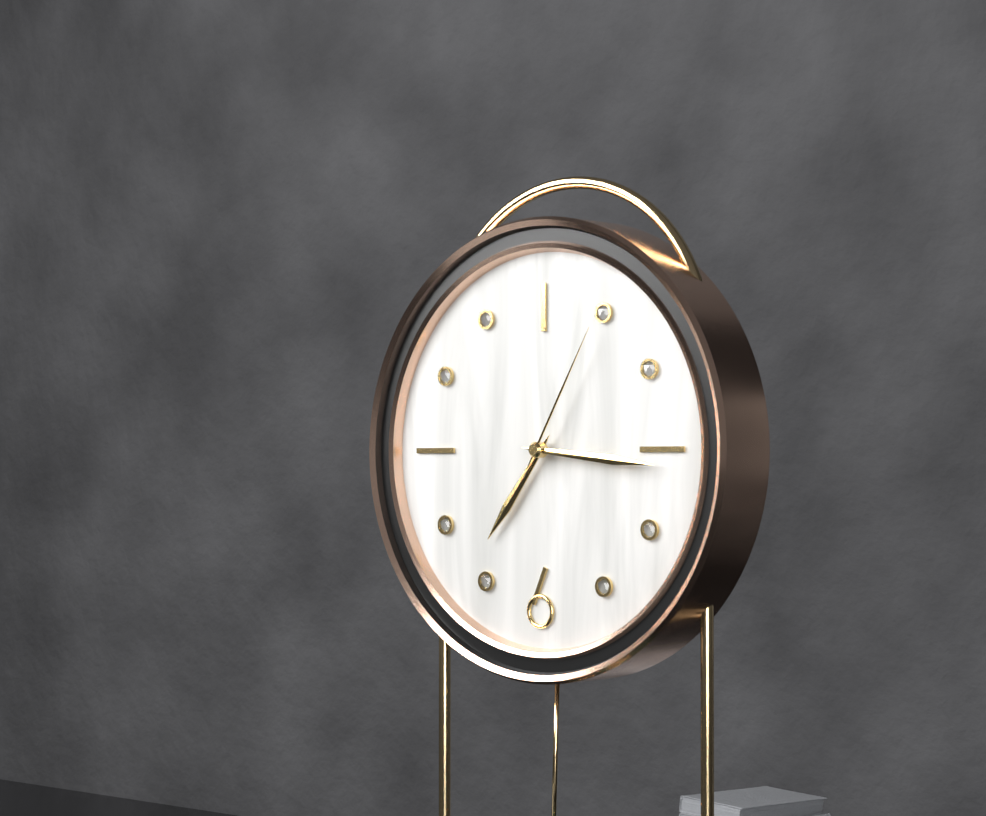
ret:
7,16,05
